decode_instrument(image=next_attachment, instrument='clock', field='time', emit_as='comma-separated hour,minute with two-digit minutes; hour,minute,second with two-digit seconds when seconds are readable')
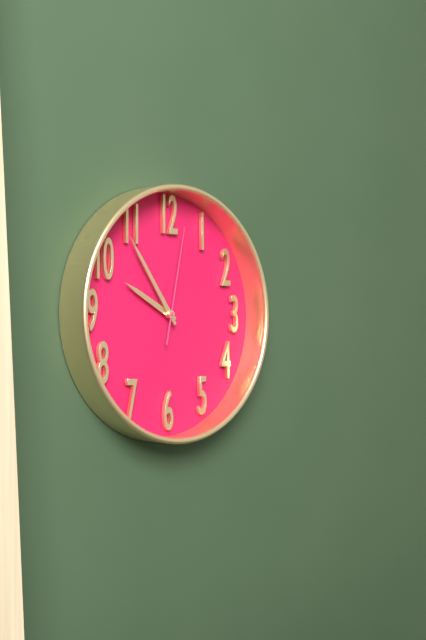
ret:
9,54,02
